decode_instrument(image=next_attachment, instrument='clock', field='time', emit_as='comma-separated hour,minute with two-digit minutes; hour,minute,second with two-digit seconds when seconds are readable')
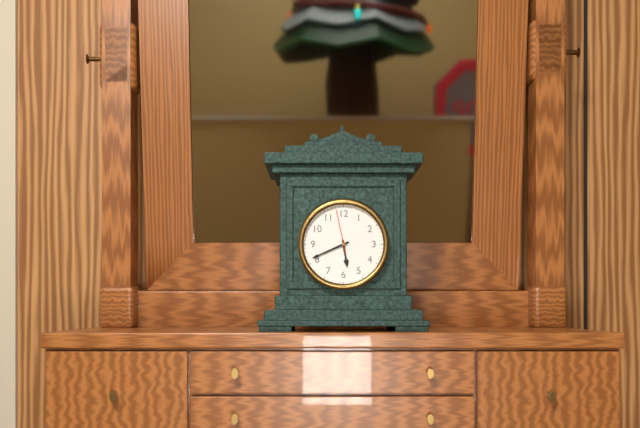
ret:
5,41
